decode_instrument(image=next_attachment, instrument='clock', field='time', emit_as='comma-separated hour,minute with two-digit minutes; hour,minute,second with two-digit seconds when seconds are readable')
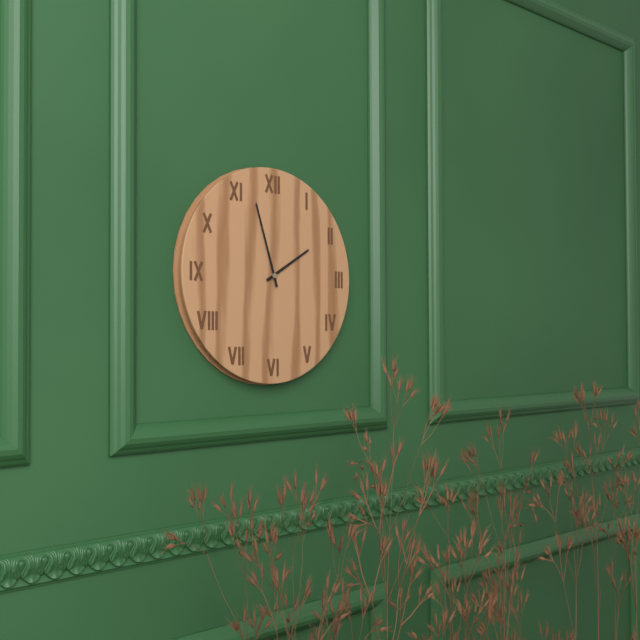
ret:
1,57
